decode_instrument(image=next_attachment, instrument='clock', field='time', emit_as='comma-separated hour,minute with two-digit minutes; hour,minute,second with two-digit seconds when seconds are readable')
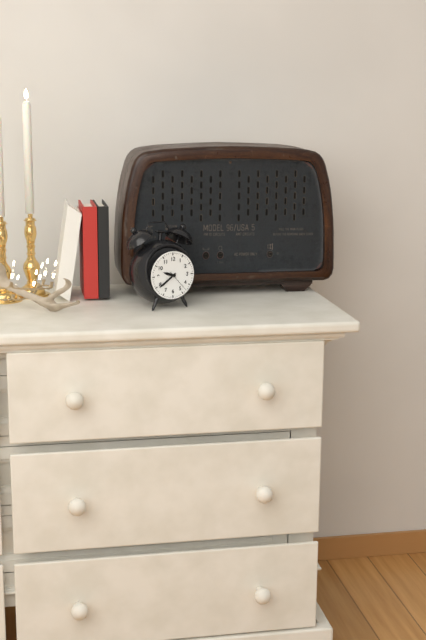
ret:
9,39
